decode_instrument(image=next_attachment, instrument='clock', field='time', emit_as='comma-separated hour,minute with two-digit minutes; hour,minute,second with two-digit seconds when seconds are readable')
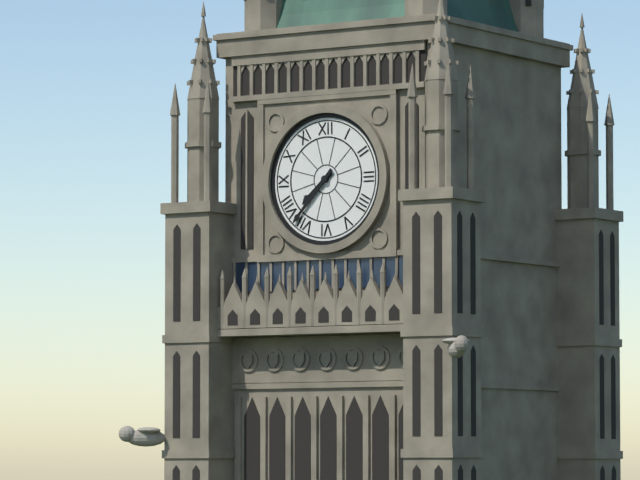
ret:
7,37
